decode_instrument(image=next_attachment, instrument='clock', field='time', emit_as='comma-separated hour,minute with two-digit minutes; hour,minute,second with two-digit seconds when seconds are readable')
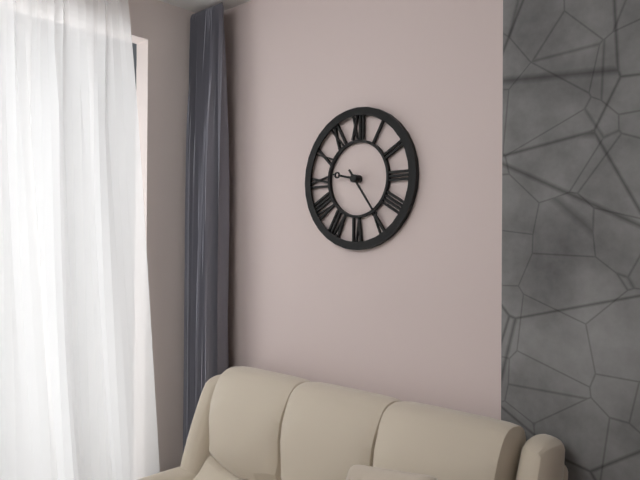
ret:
9,24
